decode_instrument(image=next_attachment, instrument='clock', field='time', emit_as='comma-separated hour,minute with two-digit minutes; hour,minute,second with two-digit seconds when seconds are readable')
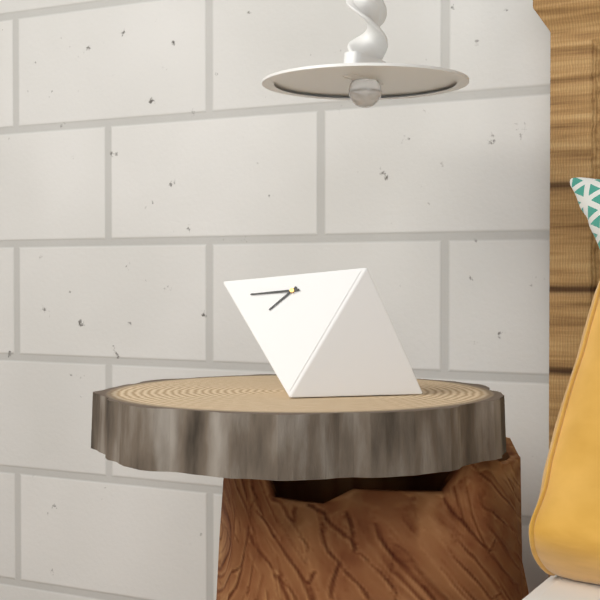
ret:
7,45
